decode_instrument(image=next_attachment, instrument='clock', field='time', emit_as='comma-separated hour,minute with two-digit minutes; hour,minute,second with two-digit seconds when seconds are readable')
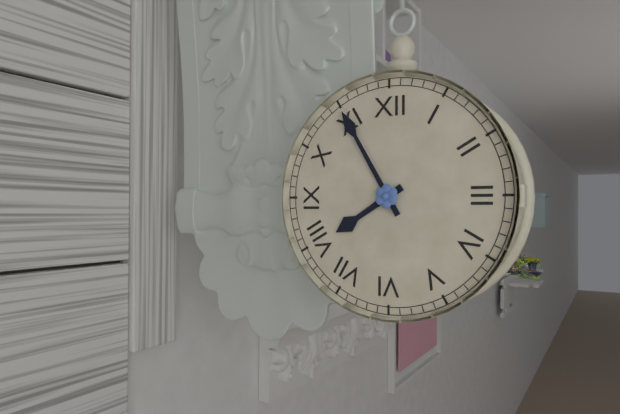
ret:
7,55
